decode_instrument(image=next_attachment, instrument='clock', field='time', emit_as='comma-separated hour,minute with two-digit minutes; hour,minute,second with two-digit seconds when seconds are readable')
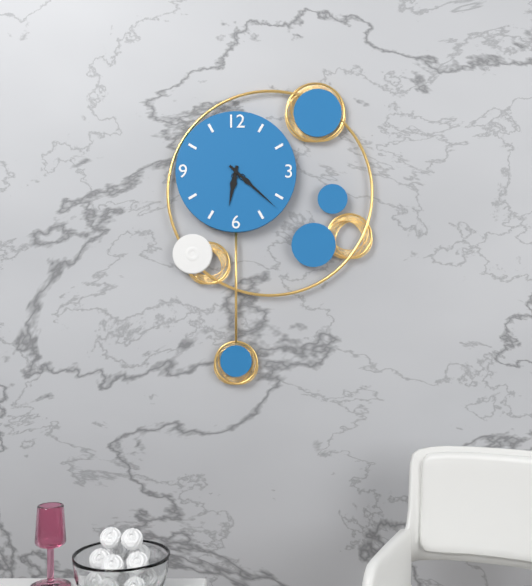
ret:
6,22
